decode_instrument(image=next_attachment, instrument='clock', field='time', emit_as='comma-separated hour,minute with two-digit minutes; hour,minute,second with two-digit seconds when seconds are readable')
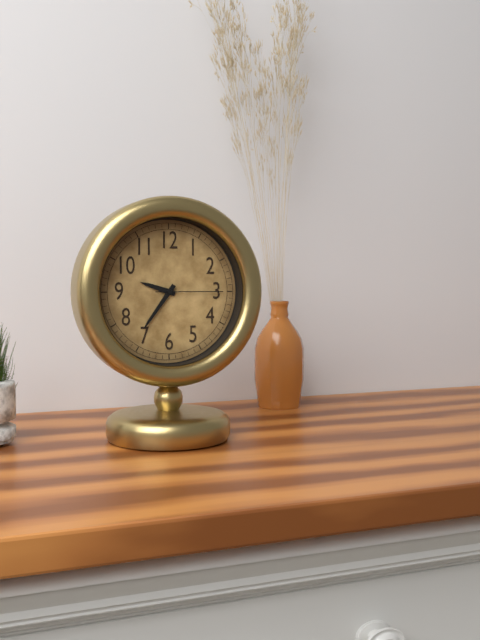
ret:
9,36,15
